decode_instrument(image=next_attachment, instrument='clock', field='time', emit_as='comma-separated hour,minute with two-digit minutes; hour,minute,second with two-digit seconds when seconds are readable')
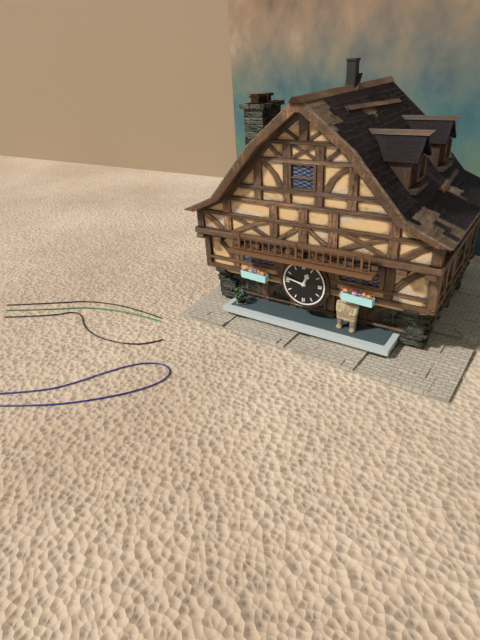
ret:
12,47
